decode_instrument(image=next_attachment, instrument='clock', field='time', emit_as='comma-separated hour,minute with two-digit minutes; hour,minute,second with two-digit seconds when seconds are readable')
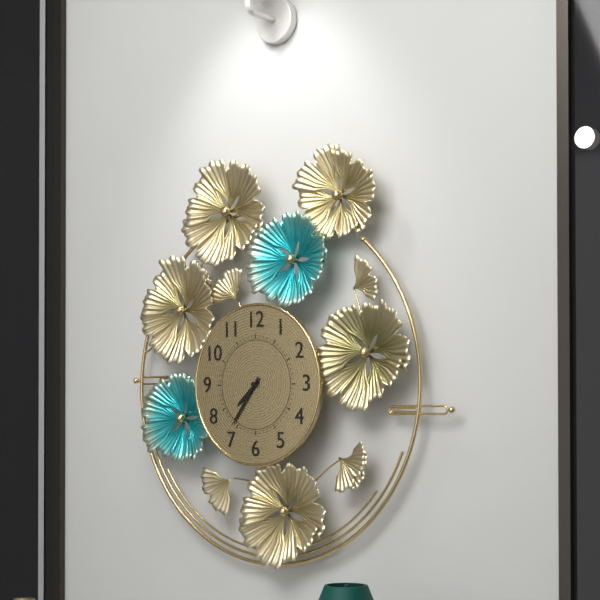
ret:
7,36
